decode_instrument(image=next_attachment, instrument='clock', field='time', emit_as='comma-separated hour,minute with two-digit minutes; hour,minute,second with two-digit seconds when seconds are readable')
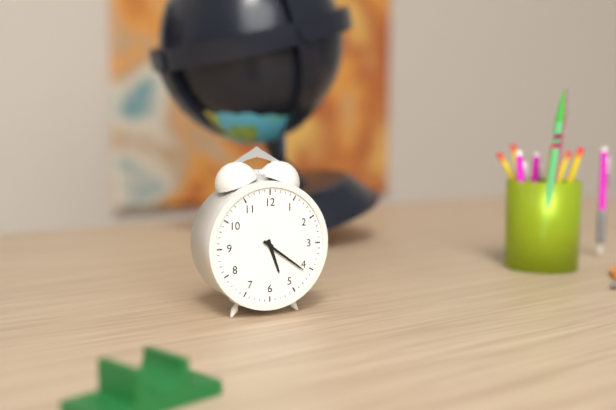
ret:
5,21
